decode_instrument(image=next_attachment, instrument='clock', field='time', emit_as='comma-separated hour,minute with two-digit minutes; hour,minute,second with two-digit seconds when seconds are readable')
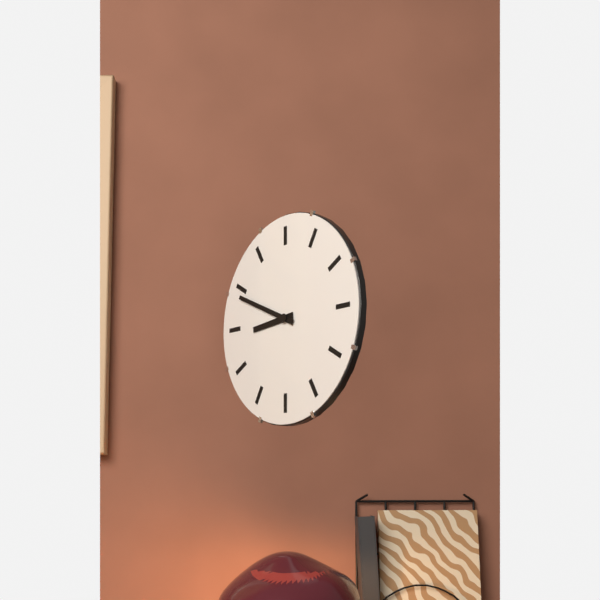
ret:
8,49
